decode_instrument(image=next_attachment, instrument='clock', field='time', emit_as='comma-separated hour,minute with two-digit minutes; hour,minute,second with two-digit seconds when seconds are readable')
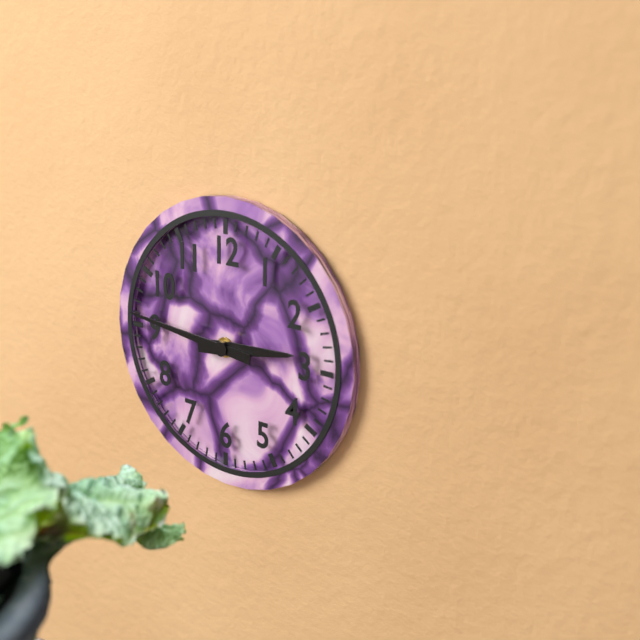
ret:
2,46
